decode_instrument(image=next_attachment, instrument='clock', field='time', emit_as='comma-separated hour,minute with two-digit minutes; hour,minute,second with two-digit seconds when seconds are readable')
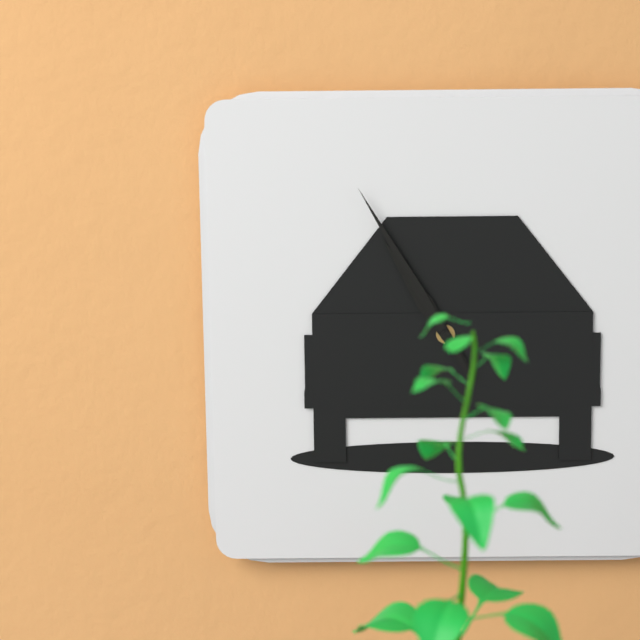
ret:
10,55
